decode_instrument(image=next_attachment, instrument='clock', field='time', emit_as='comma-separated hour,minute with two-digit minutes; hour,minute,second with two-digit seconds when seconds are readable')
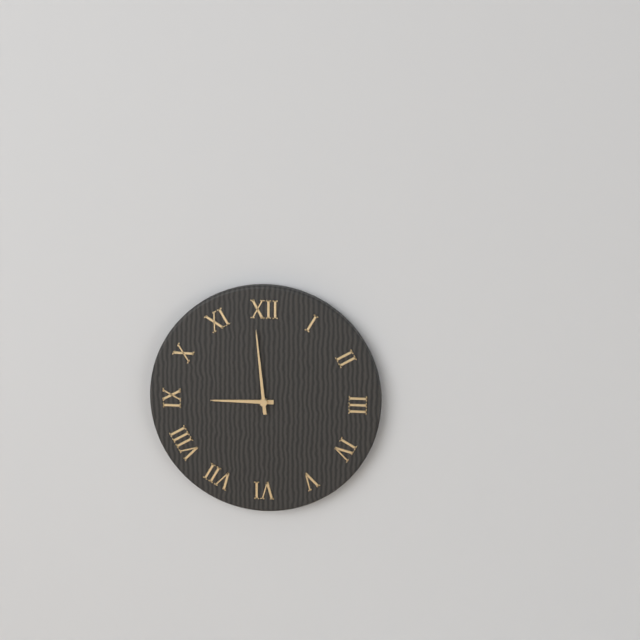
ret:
8,59
